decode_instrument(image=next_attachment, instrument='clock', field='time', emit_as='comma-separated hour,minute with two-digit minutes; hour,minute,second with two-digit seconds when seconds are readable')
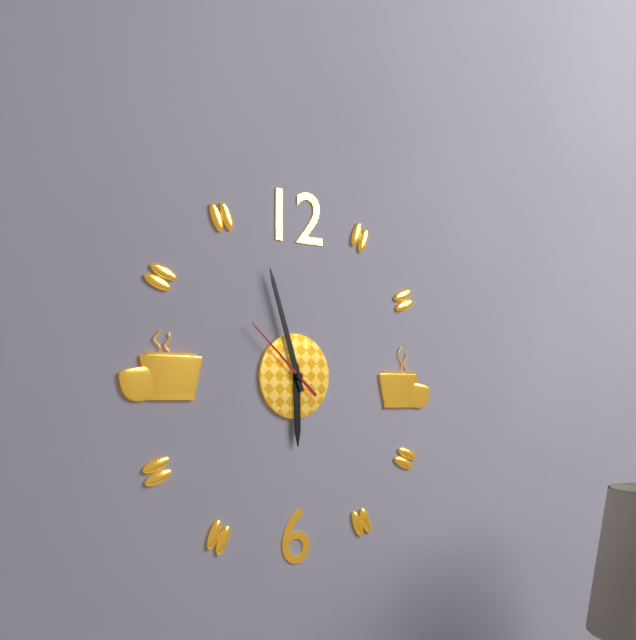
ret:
5,57,52
